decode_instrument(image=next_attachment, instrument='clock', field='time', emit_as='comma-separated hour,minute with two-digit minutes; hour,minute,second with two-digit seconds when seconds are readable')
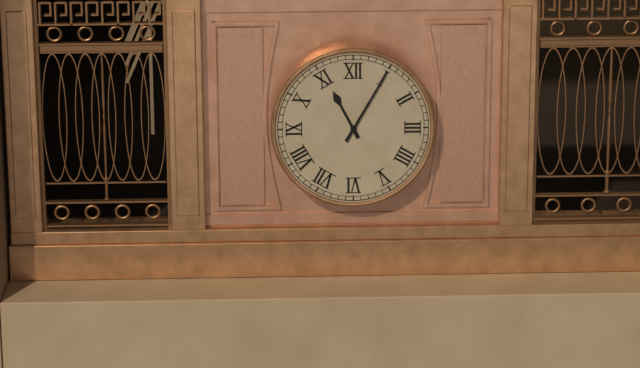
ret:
11,05
